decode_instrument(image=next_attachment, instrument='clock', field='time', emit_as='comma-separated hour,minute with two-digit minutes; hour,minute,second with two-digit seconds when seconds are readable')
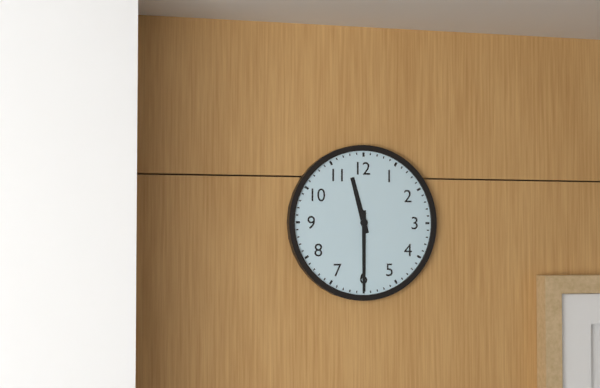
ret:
11,30
